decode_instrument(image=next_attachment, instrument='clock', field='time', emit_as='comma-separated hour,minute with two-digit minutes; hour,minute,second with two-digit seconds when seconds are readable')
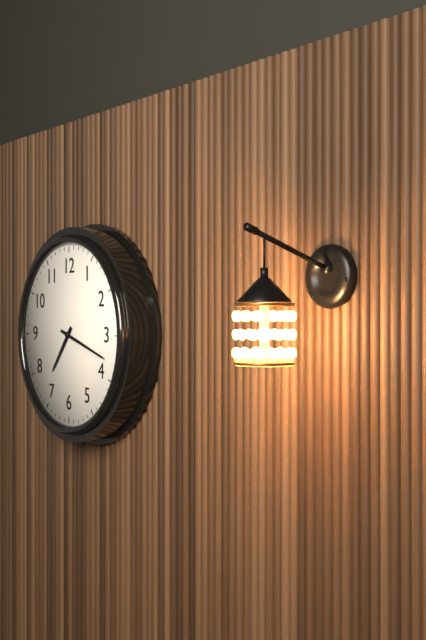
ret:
7,18
